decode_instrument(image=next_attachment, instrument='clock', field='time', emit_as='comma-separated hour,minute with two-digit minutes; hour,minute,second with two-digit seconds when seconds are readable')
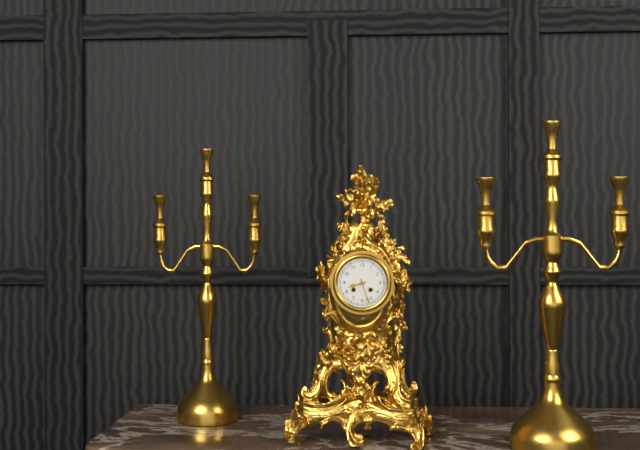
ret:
8,27
